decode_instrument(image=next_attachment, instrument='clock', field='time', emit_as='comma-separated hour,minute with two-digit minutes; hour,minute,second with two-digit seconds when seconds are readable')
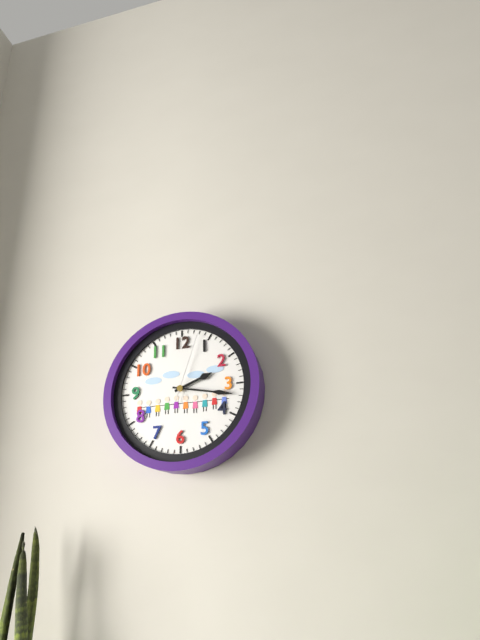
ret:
2,17,03
